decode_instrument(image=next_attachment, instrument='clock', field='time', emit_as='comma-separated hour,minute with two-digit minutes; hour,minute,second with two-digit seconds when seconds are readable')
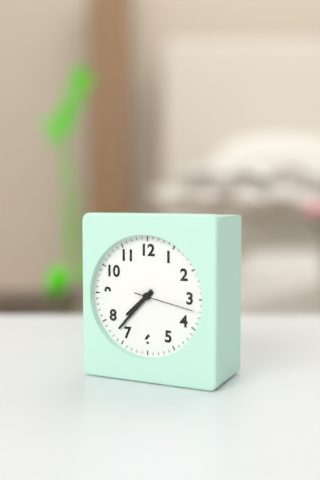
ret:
7,37,17
